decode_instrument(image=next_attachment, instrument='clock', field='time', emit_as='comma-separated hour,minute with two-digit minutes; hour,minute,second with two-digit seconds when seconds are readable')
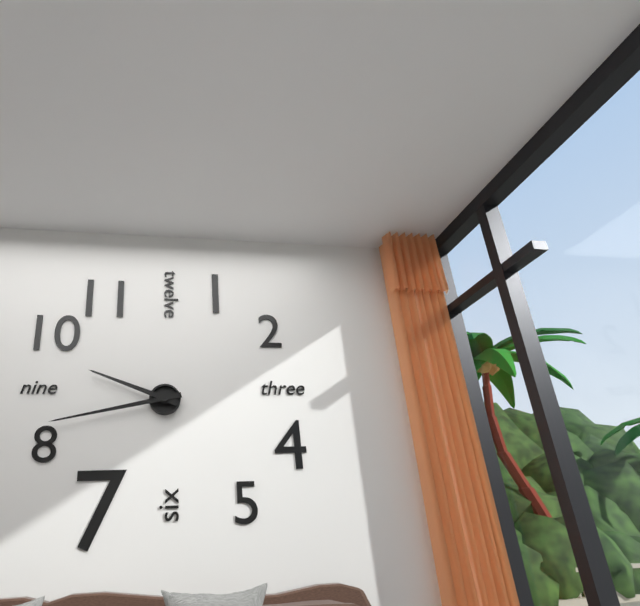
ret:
9,43
